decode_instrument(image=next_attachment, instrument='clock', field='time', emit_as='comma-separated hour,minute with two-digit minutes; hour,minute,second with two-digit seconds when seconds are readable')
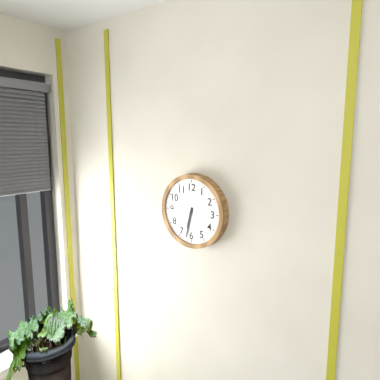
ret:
6,32
